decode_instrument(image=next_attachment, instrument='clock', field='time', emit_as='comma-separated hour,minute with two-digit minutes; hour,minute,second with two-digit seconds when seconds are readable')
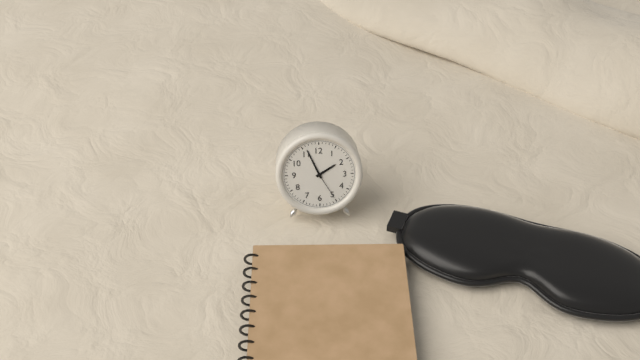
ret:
1,56
